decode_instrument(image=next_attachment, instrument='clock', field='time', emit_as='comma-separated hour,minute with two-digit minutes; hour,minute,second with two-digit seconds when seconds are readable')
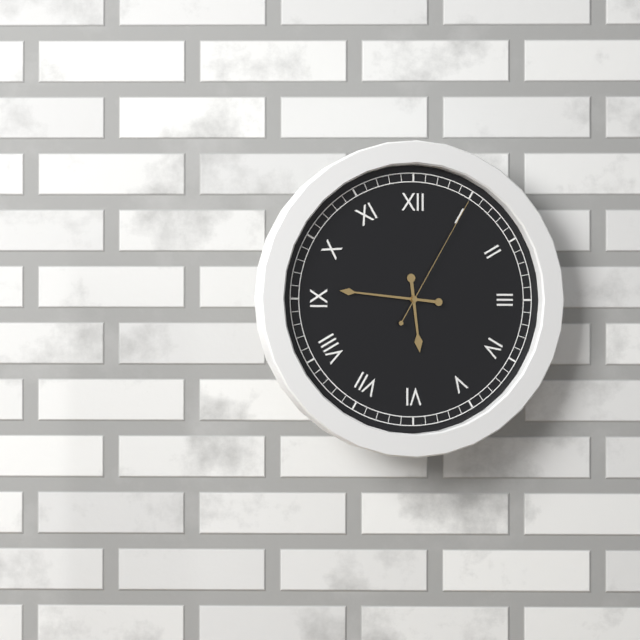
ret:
5,46,05
